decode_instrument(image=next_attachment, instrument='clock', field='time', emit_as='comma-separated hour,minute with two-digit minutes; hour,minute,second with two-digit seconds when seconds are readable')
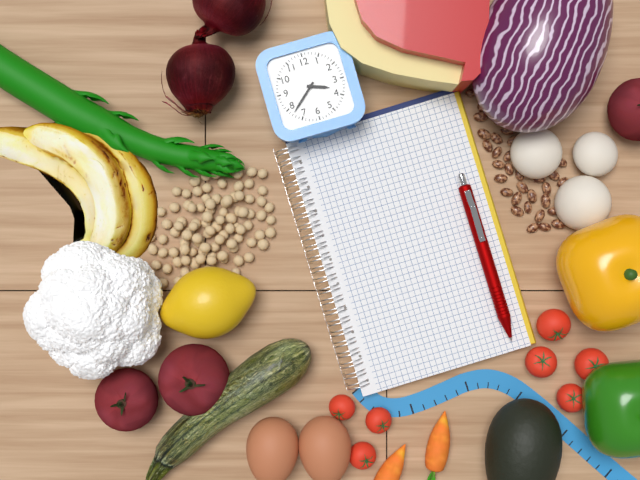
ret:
3,38
